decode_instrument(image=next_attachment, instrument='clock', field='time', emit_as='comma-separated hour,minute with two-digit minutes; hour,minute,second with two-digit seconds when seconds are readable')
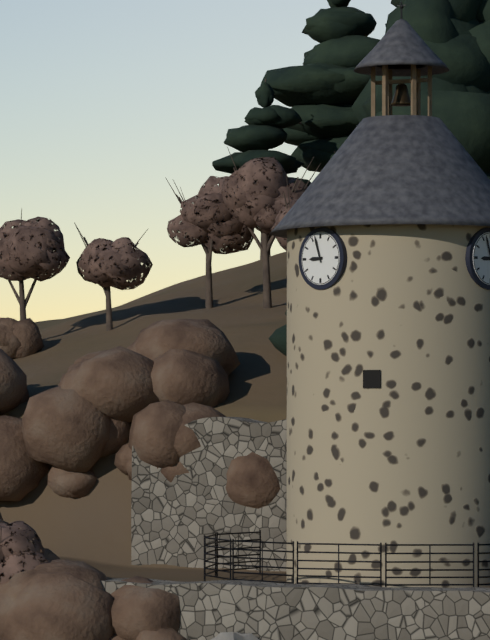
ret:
8,57
